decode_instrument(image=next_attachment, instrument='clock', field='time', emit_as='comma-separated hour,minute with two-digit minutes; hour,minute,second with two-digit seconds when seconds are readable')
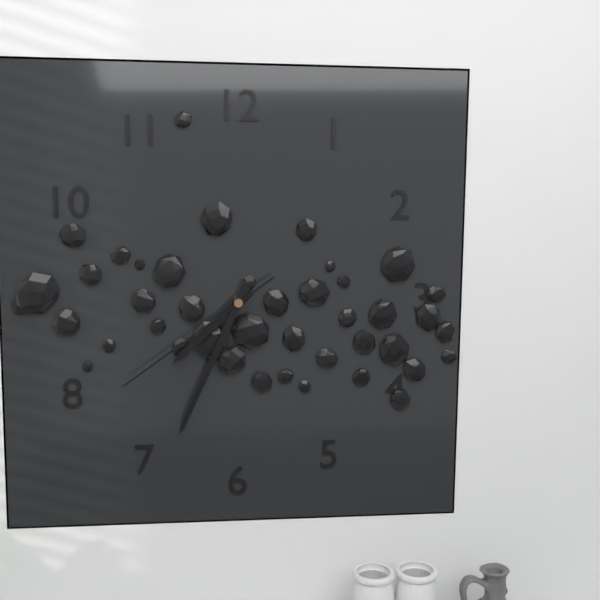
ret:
7,34,39
